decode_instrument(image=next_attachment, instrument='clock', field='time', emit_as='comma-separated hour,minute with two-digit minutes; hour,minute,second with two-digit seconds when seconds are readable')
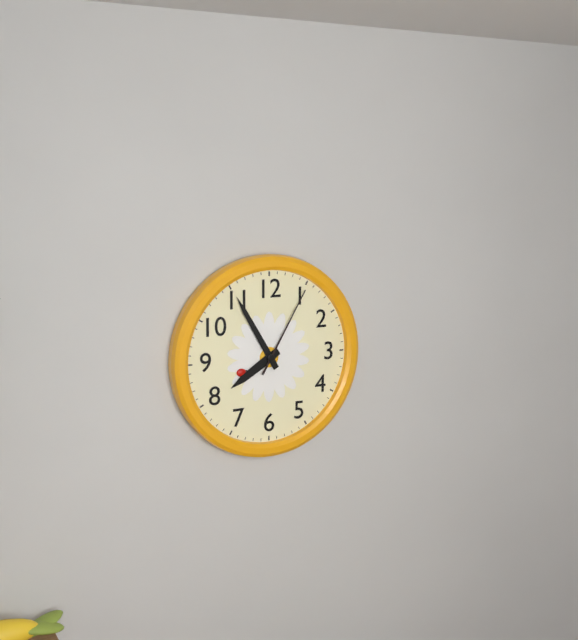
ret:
7,55,05
